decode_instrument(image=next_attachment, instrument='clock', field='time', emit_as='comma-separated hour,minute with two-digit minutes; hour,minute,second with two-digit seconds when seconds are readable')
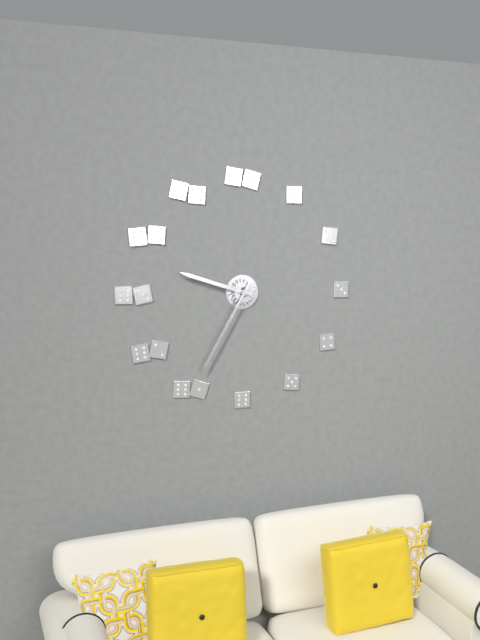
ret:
9,35
